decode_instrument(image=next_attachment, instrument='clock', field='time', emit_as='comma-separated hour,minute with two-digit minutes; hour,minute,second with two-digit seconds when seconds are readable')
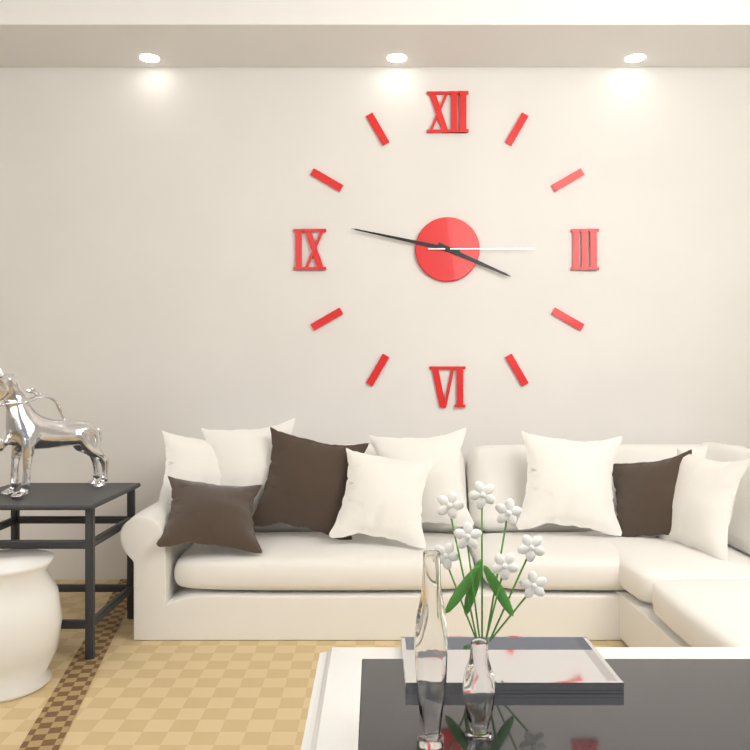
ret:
3,47,15
